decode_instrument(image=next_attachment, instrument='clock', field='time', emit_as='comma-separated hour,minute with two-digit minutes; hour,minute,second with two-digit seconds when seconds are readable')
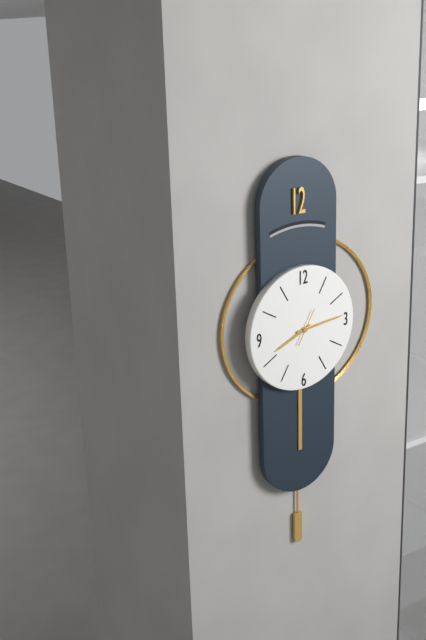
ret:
8,14
